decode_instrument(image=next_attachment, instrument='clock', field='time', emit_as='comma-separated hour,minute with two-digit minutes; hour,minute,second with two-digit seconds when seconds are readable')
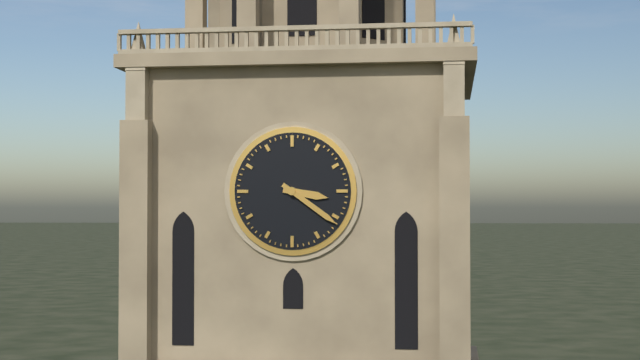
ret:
3,21
